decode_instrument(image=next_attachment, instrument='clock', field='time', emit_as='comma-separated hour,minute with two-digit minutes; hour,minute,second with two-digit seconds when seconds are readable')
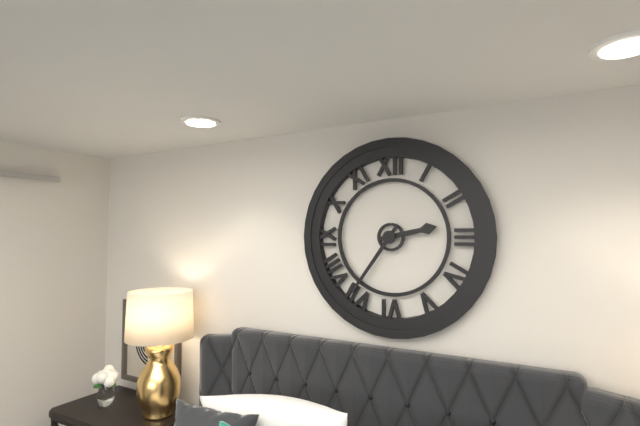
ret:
2,36
